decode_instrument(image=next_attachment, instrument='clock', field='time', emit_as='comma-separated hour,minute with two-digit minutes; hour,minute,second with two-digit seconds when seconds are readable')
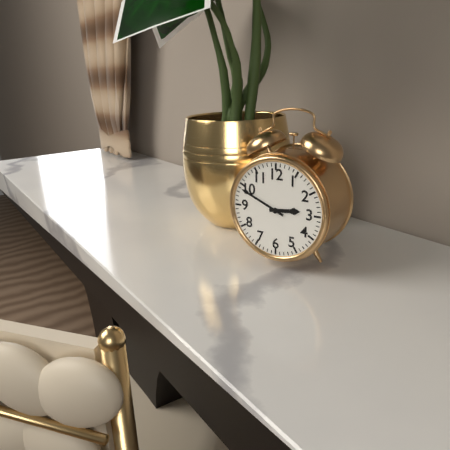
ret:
2,49
